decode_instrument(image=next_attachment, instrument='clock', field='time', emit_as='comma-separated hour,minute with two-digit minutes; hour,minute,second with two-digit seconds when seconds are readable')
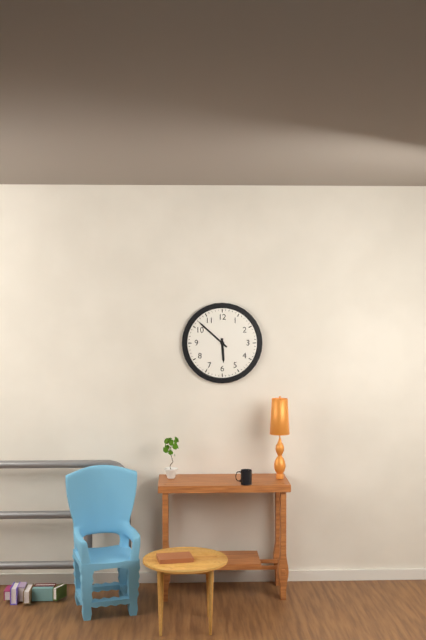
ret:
5,52
